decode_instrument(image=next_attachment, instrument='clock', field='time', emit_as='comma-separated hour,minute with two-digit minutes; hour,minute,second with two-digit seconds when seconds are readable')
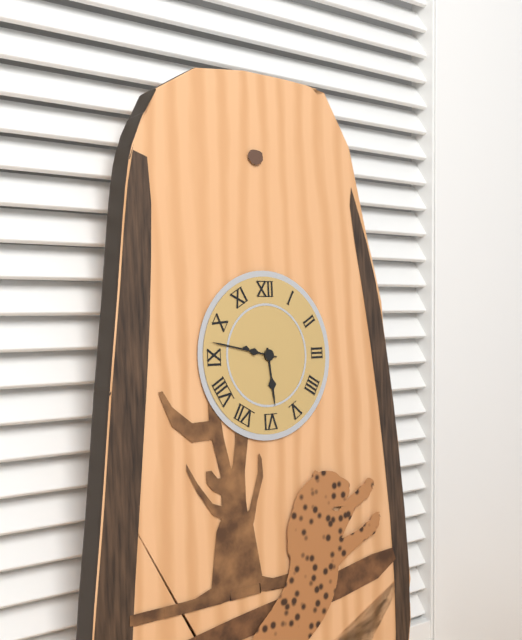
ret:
5,47
